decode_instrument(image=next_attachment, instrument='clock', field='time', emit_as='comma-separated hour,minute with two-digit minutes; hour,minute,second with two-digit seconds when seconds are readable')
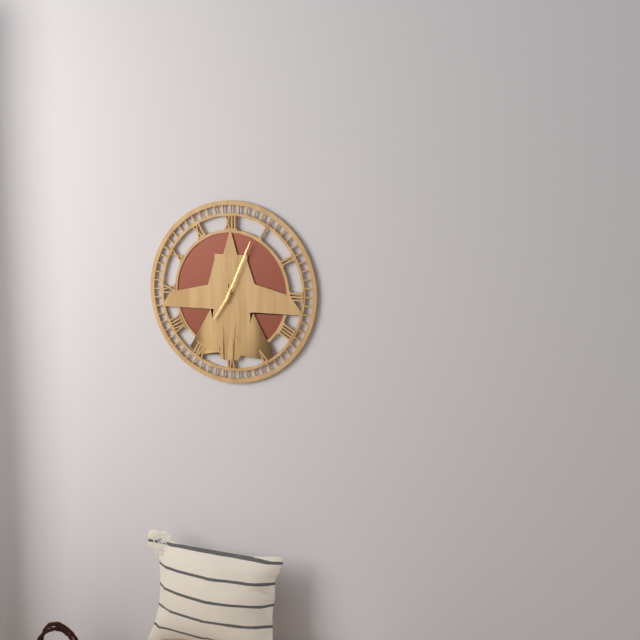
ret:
7,04
